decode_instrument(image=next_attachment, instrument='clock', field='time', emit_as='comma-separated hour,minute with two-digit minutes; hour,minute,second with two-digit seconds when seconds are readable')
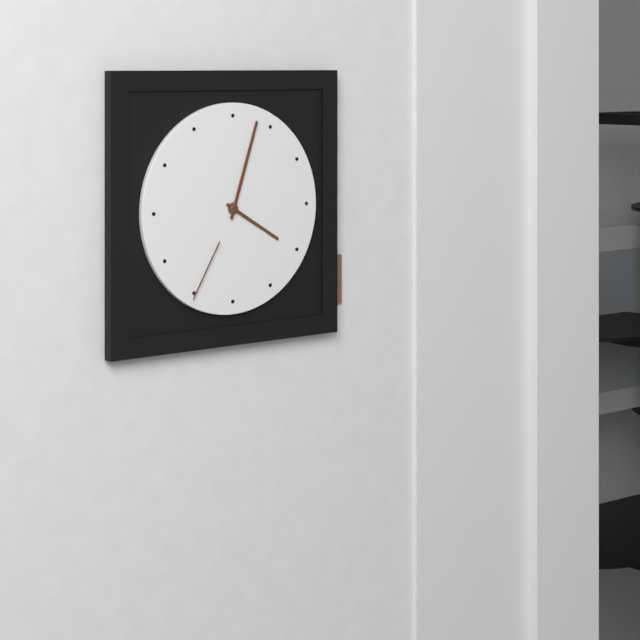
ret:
4,03,35
